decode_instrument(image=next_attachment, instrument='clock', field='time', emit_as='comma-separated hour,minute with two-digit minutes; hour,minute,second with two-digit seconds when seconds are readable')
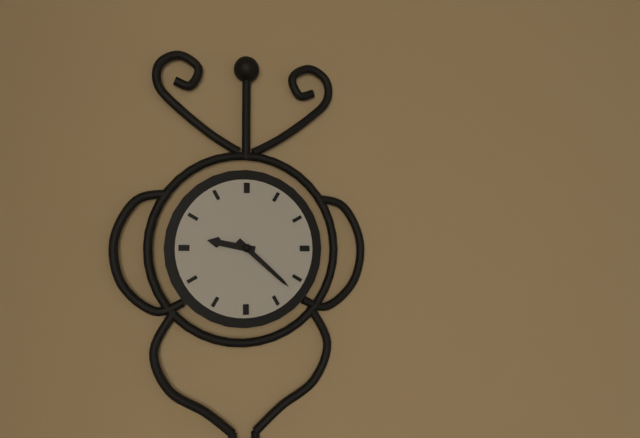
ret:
9,22
